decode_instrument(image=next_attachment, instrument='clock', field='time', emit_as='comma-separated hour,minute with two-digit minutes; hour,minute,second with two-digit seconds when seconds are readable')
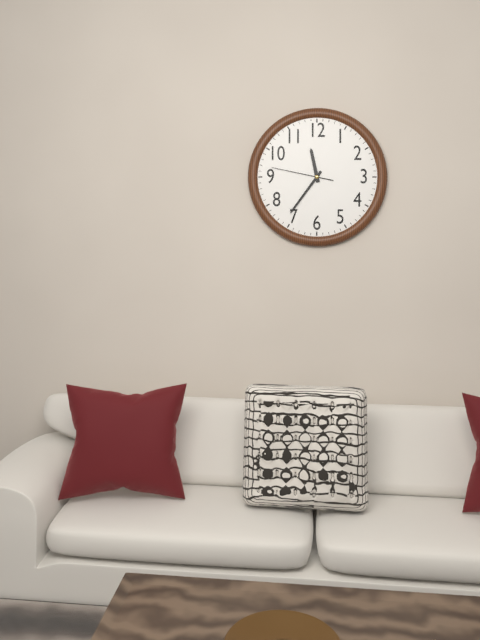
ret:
11,36,47
